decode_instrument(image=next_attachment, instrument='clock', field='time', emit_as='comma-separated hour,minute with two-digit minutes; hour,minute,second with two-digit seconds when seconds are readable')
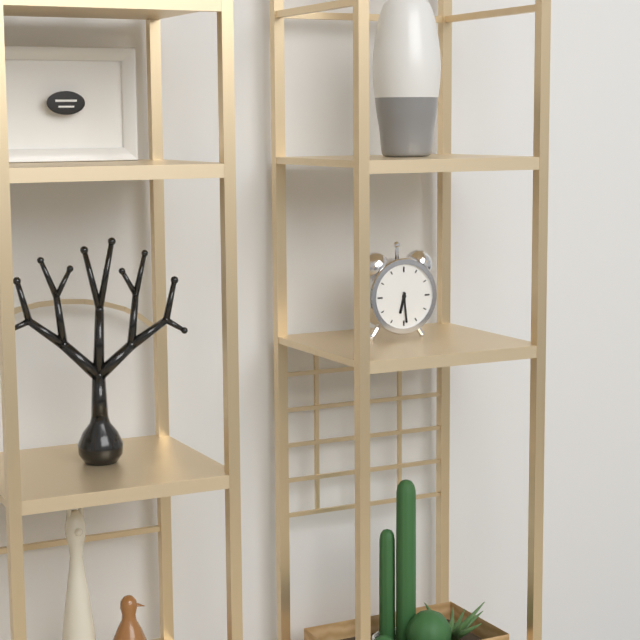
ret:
6,29
